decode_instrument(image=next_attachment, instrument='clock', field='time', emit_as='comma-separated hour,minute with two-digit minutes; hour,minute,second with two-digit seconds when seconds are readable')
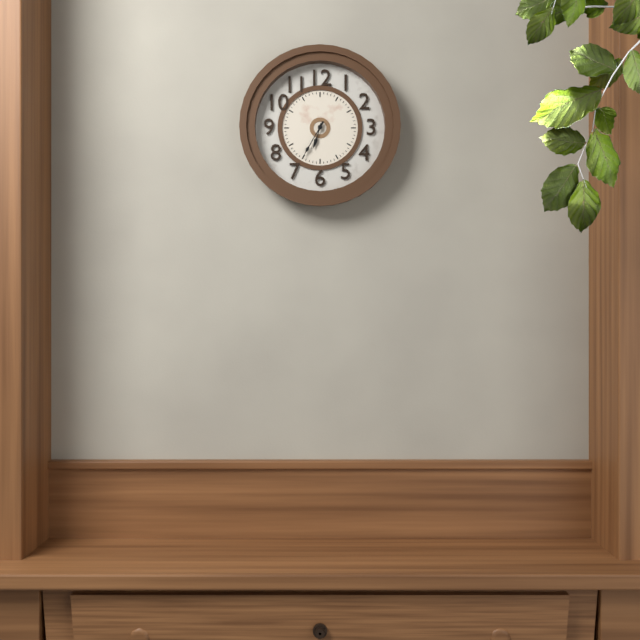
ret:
6,35
